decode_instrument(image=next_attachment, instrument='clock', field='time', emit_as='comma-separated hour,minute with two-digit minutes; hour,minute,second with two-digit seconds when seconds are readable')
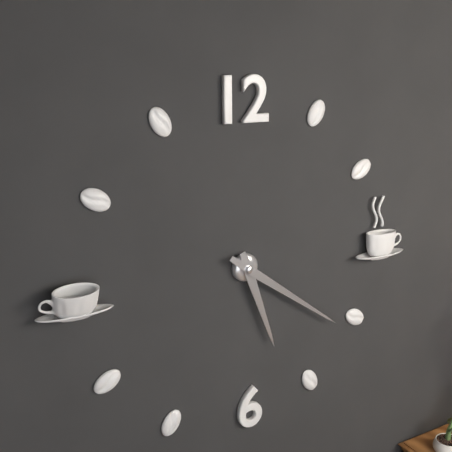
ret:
5,21
